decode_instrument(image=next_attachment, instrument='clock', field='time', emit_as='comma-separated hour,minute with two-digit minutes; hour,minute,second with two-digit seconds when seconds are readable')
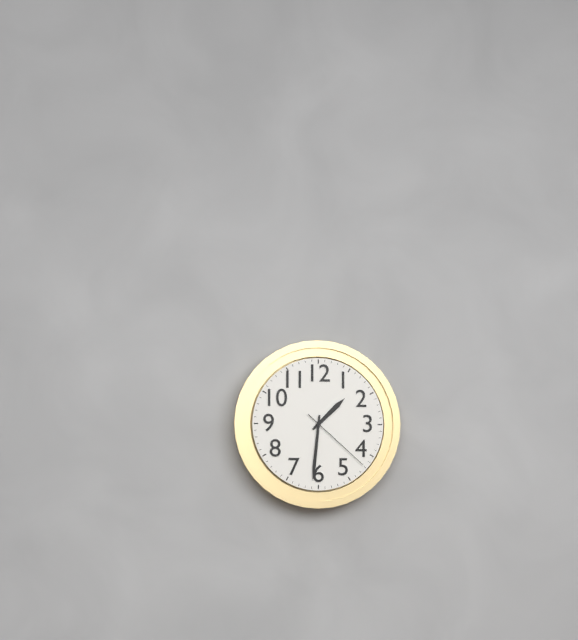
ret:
1,31,22
